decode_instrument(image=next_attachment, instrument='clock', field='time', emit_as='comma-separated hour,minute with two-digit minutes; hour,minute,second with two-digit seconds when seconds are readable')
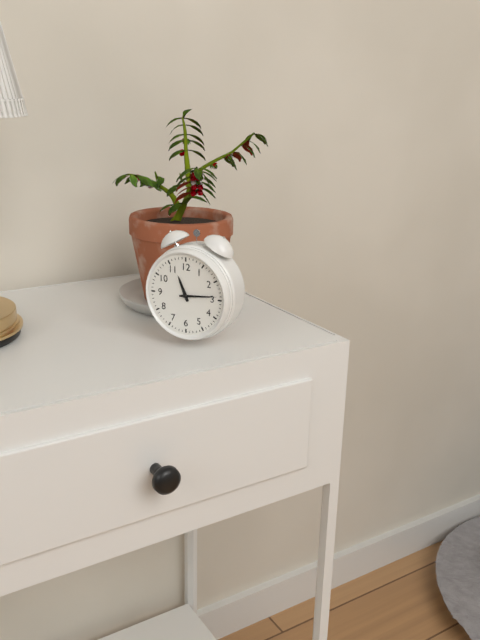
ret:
11,14
